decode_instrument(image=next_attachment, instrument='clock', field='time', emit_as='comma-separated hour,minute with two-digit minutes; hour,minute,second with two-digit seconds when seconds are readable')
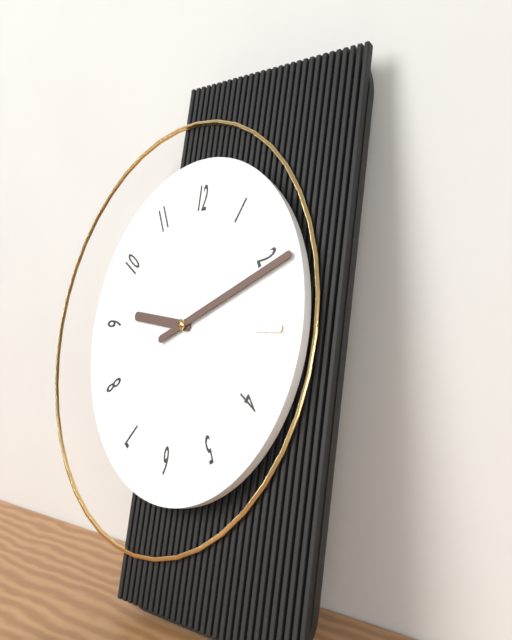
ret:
9,11
